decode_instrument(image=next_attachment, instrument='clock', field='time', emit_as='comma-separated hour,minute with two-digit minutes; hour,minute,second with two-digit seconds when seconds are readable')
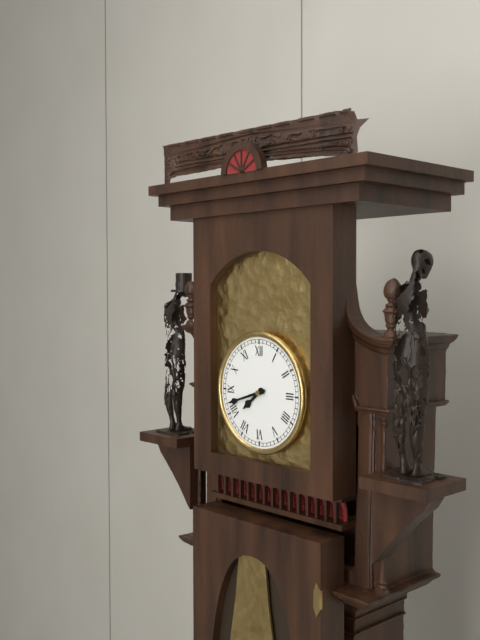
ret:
7,42
